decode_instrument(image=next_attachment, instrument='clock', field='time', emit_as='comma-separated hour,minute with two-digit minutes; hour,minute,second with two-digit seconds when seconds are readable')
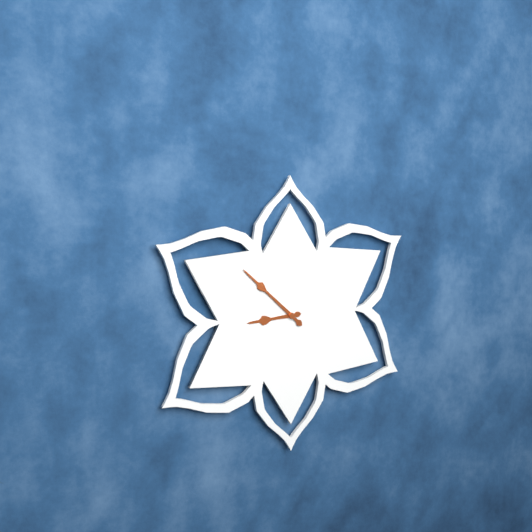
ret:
8,52
